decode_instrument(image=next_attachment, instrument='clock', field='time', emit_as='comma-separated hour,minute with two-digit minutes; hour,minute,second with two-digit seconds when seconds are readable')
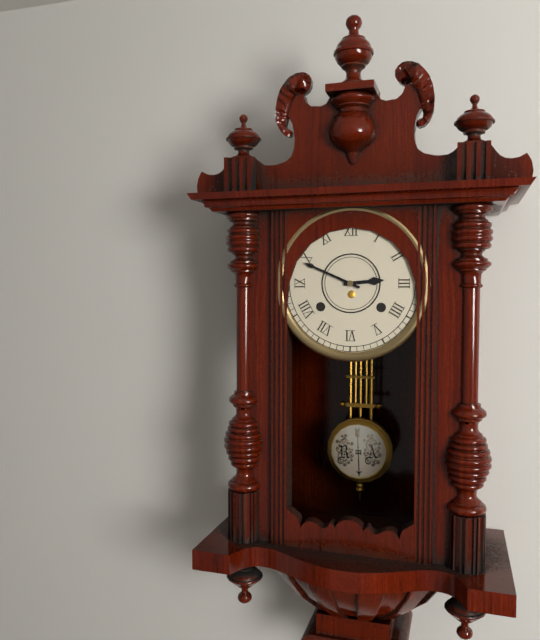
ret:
2,49
